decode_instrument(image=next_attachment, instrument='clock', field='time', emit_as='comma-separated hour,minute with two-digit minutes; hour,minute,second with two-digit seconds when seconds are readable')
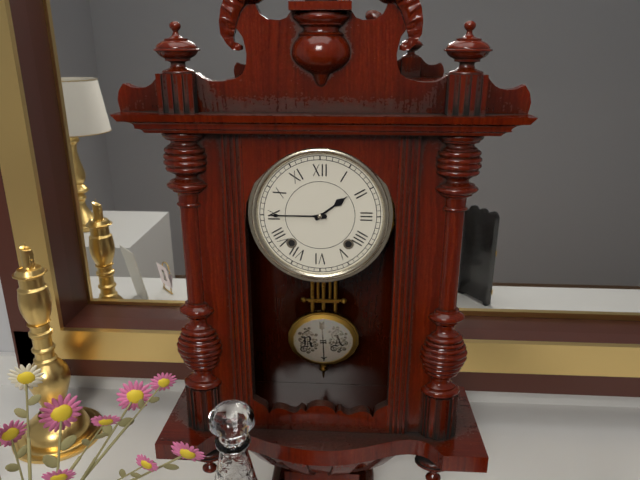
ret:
1,45
